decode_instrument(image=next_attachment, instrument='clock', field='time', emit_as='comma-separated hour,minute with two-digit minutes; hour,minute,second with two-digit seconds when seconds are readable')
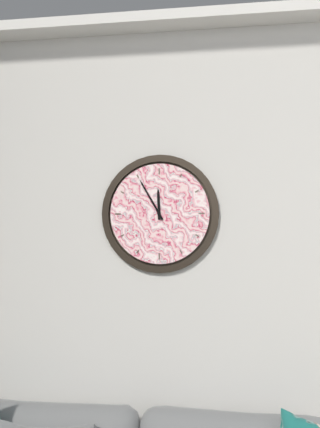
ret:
11,55
